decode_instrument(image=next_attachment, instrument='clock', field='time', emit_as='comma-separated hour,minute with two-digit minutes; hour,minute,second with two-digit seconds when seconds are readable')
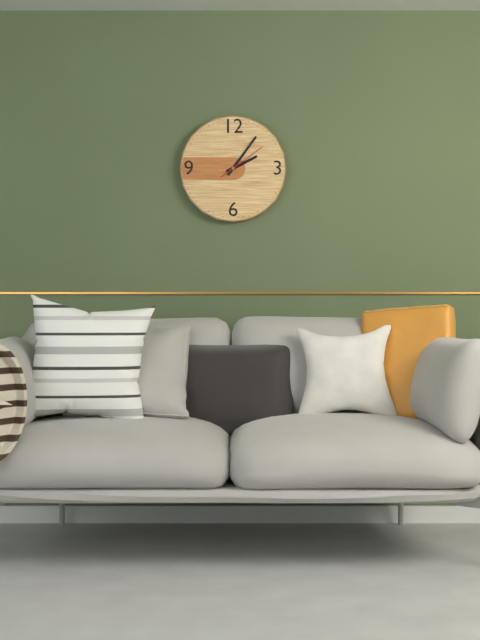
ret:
2,06
